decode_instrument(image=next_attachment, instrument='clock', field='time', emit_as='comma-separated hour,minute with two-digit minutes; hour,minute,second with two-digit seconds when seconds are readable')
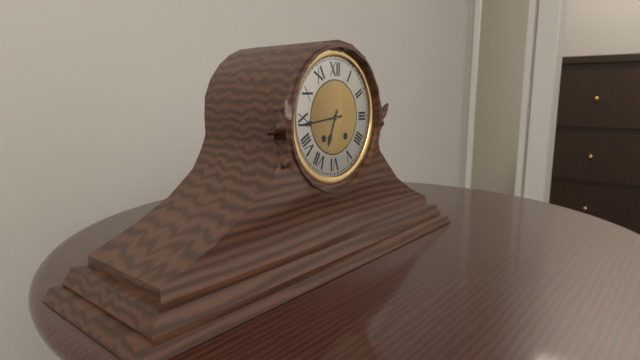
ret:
6,44
